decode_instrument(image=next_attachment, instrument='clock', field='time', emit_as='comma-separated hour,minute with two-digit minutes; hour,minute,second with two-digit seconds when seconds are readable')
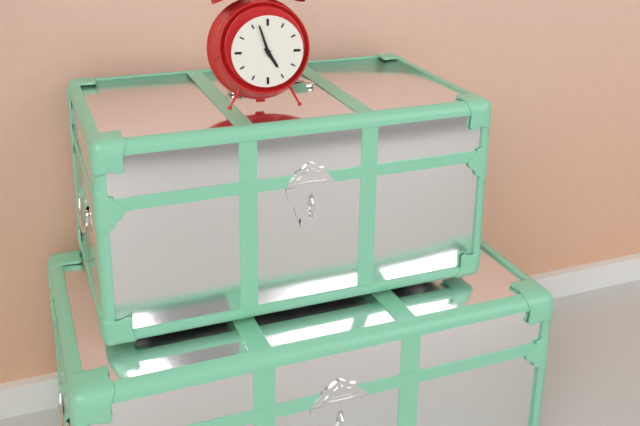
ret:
4,57
